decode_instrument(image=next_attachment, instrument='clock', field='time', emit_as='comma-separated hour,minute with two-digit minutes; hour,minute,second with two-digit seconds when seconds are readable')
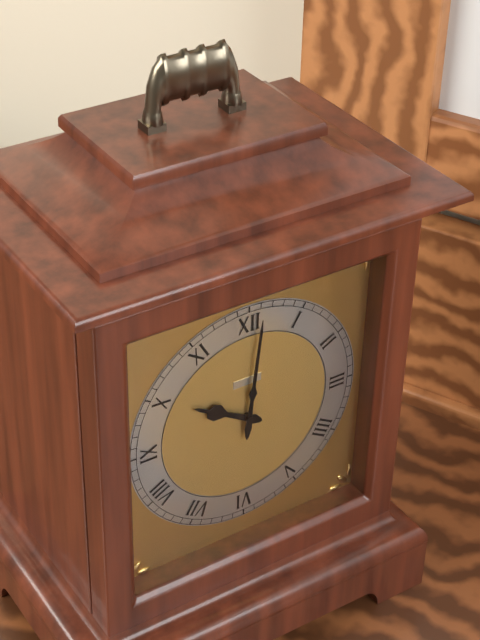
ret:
10,01
